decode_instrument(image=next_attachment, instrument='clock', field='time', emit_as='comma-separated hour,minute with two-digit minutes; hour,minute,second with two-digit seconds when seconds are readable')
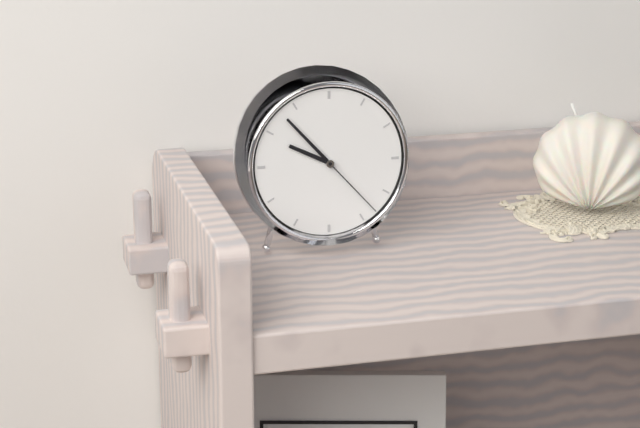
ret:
9,53,23
